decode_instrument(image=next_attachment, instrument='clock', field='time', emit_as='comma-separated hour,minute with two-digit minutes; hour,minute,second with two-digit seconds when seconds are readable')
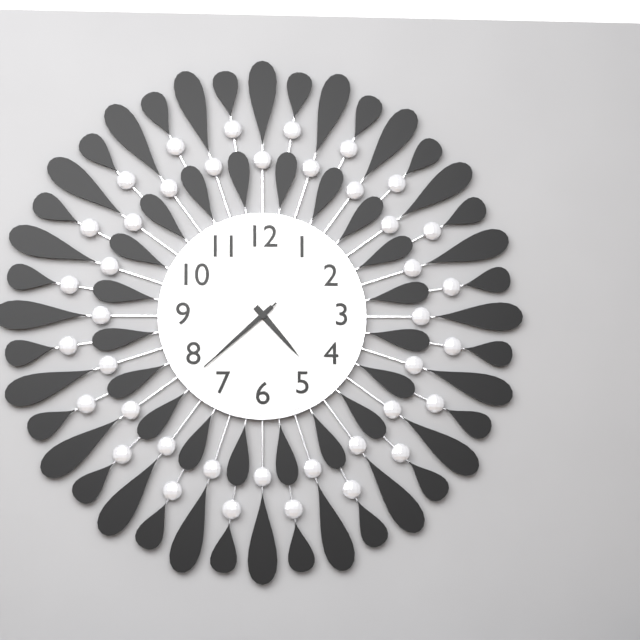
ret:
4,38,38
